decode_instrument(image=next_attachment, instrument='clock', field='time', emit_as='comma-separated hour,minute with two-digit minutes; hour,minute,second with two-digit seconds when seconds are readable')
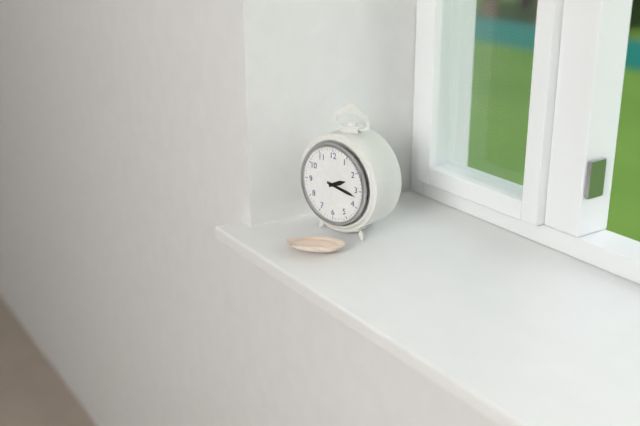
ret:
2,17
